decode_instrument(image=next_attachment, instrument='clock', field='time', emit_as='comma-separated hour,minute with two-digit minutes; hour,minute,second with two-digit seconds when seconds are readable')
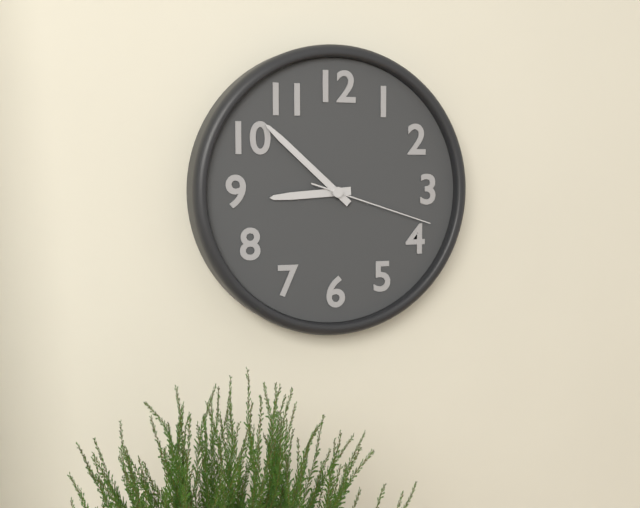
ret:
8,52,18
